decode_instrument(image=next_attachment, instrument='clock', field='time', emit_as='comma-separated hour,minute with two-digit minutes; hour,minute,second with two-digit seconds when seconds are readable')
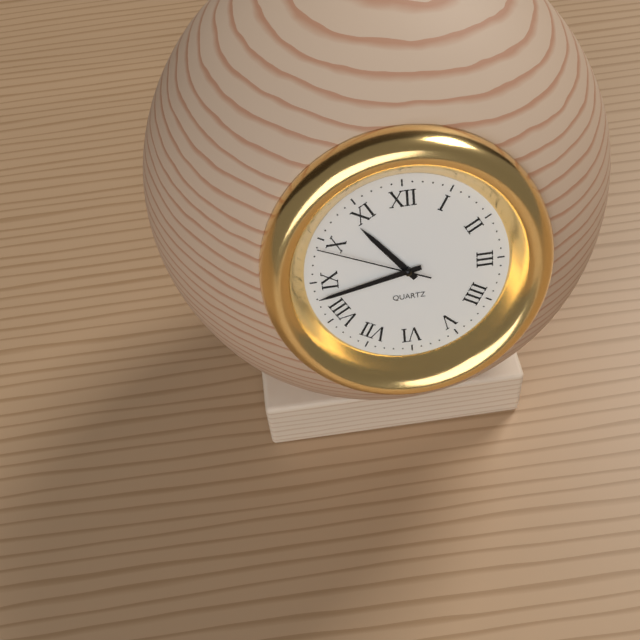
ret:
10,43,49
